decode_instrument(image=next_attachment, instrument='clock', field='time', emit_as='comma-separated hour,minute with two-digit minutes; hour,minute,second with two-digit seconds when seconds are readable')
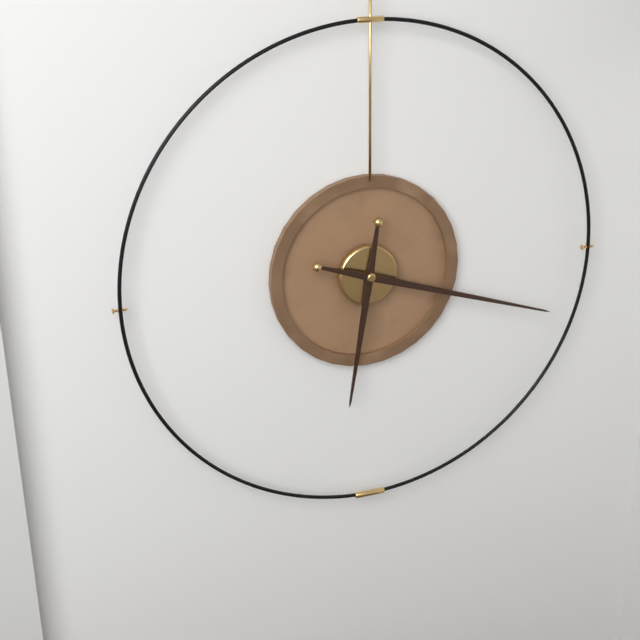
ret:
6,18
